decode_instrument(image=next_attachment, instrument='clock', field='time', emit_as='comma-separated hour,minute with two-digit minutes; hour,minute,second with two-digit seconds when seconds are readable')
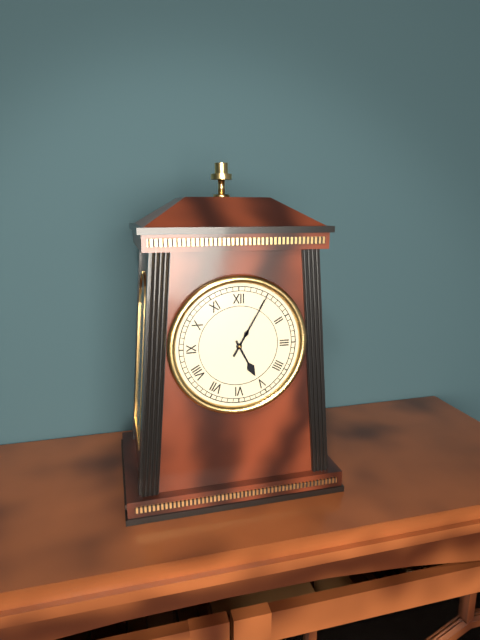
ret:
5,05
